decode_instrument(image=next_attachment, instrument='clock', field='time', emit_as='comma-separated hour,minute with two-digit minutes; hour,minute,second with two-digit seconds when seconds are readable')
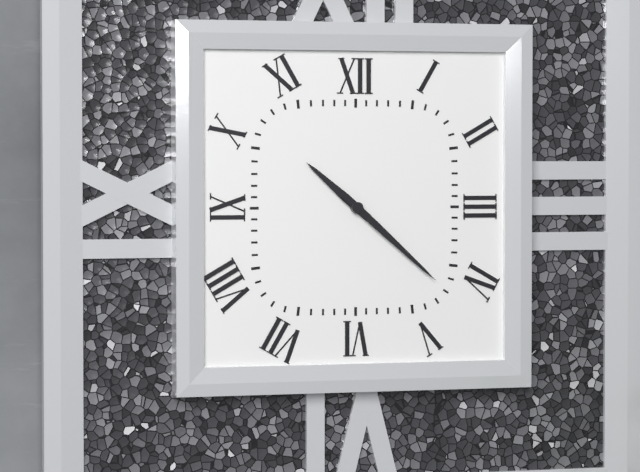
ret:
10,22
